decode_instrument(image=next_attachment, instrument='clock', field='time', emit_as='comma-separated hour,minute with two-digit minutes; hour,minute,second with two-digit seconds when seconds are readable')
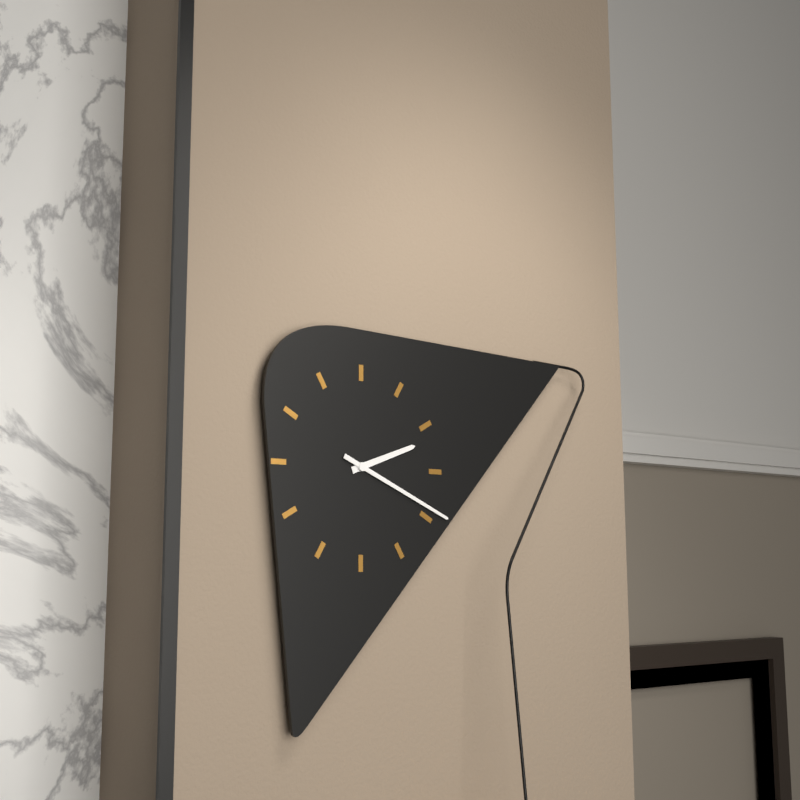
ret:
2,19
